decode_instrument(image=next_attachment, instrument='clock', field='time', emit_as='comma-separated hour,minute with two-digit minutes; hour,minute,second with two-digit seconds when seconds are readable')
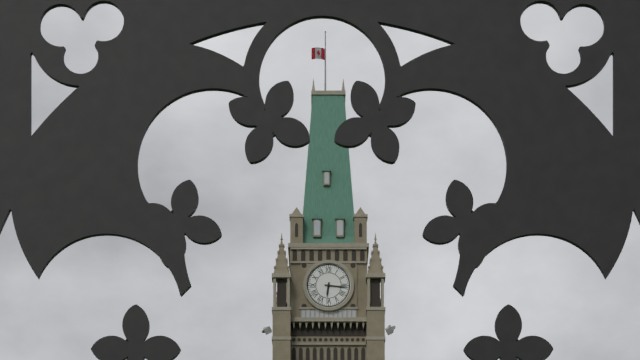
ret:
6,16
